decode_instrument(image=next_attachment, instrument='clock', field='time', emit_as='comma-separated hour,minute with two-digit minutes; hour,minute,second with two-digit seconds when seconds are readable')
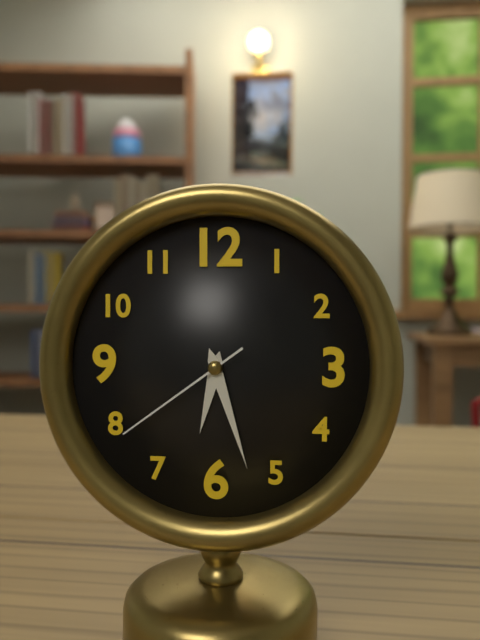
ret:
6,27,39
